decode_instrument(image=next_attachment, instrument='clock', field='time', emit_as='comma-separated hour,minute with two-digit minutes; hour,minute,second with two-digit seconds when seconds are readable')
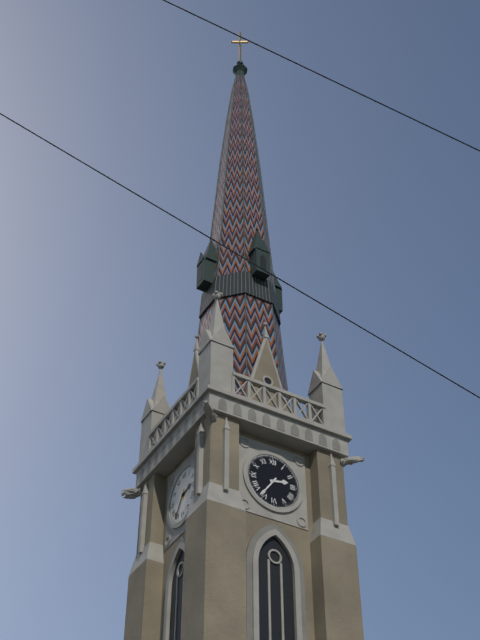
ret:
2,36
